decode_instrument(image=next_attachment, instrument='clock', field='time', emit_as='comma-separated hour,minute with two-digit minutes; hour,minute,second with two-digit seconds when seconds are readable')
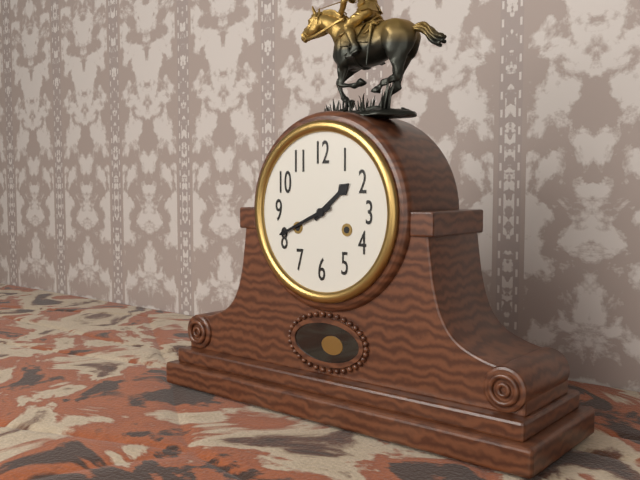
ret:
1,41
